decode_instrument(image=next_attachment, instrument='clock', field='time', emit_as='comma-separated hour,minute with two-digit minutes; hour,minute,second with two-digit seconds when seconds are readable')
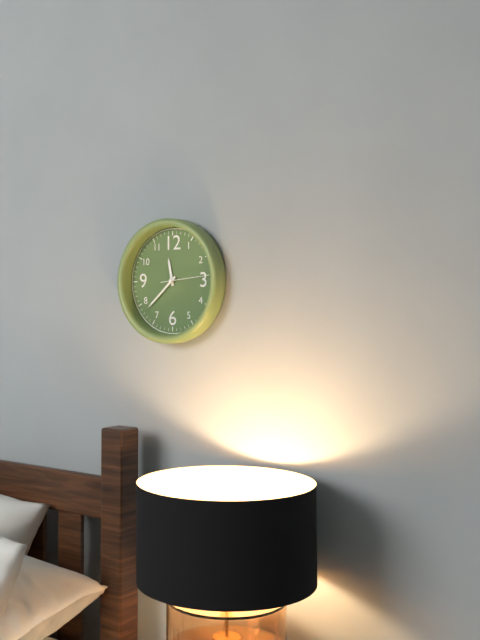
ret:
11,38
